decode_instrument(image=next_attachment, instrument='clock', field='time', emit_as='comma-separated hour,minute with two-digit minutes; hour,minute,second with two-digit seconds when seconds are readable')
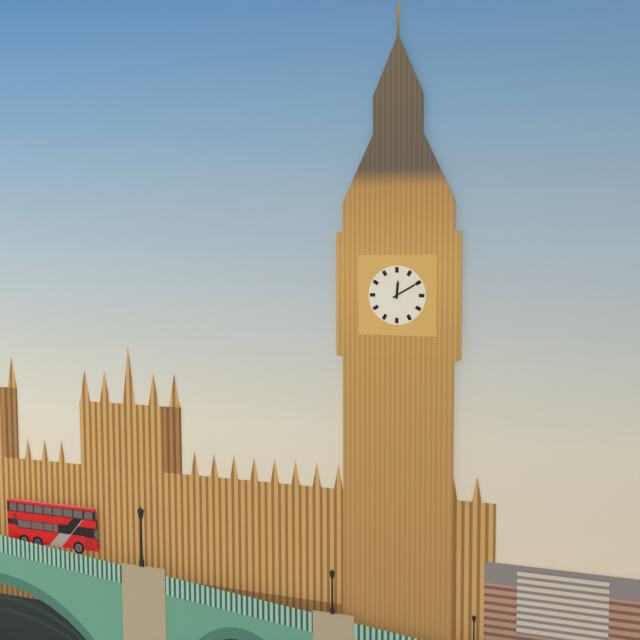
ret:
12,10
